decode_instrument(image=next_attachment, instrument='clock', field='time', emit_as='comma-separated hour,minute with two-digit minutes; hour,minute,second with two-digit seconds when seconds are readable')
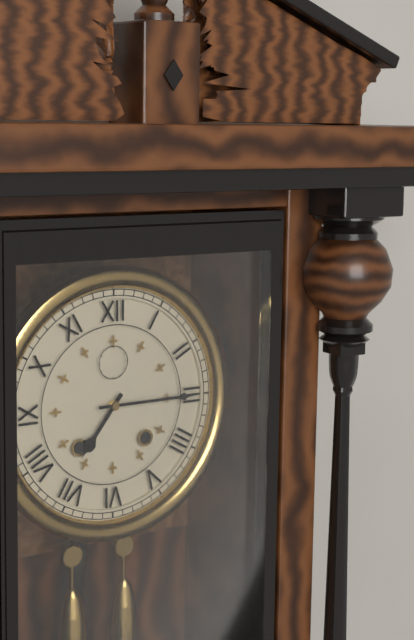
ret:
7,15
